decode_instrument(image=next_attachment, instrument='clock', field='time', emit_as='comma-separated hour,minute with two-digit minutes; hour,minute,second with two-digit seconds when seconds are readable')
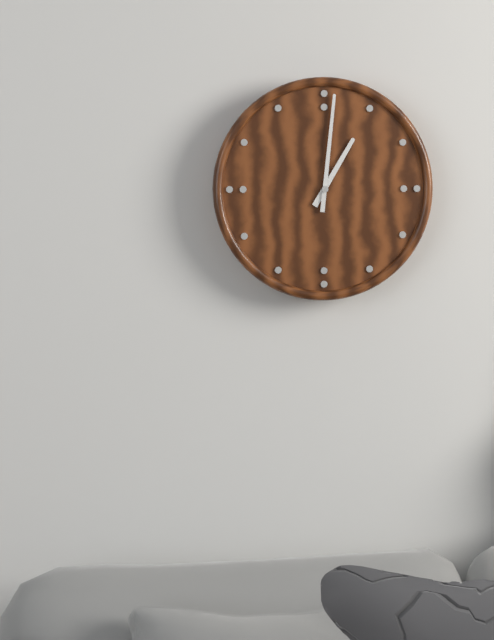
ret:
1,01
